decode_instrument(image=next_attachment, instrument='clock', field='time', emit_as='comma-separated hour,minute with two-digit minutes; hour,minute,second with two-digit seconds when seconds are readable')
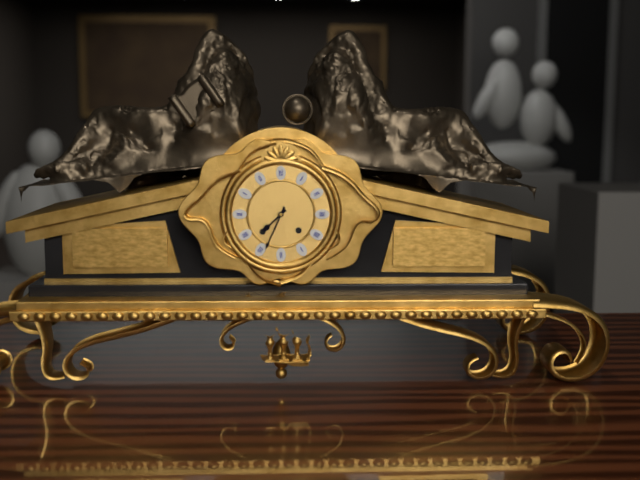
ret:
7,34
